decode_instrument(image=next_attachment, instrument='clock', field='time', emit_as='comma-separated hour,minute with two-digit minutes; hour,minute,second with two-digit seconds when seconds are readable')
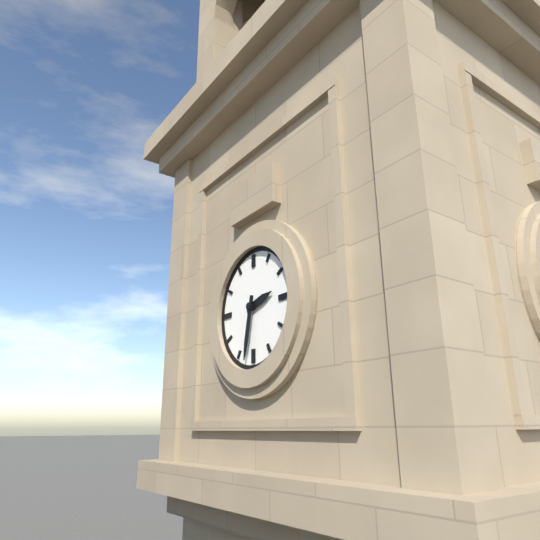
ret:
2,32
